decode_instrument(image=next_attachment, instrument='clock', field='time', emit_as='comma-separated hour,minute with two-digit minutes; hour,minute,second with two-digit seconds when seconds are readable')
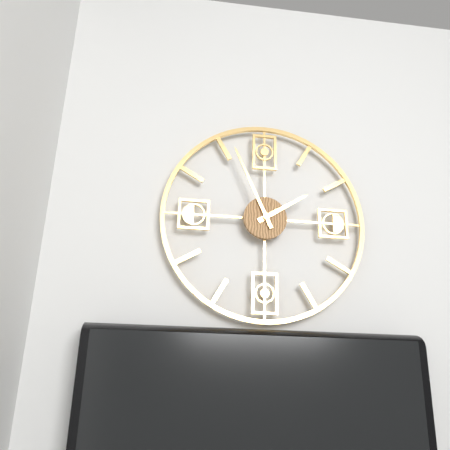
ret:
1,56
